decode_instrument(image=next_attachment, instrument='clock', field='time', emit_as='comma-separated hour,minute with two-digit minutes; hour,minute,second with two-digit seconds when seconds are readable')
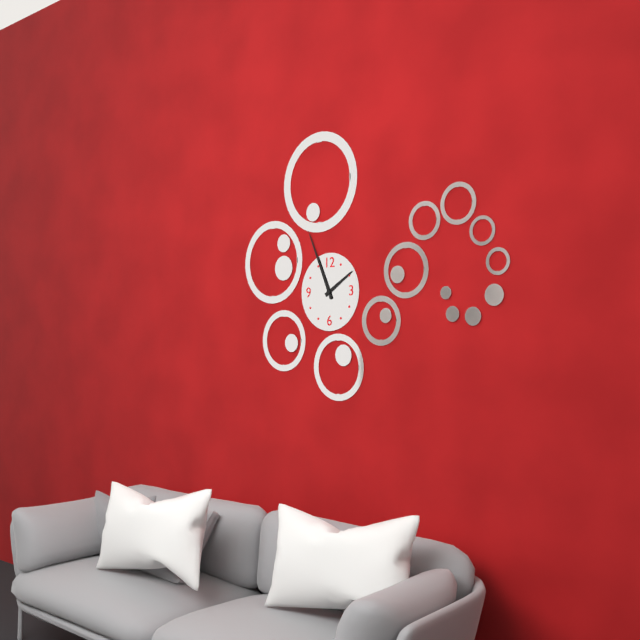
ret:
1,56
